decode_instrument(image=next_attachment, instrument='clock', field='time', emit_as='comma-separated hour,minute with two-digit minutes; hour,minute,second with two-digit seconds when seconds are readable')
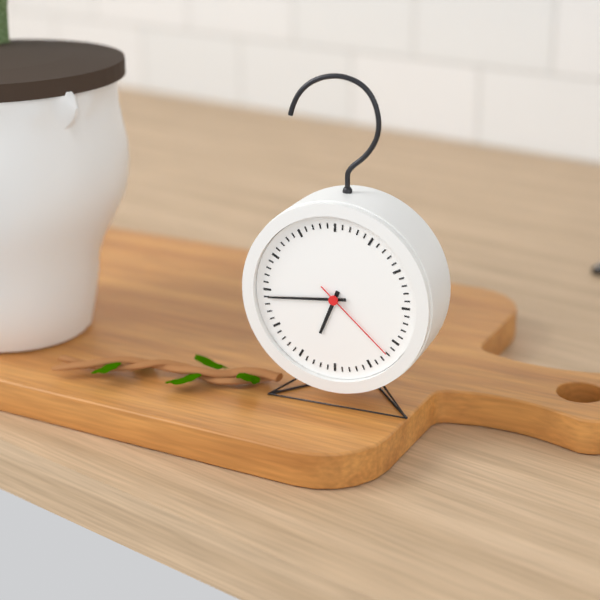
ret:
6,44,22
